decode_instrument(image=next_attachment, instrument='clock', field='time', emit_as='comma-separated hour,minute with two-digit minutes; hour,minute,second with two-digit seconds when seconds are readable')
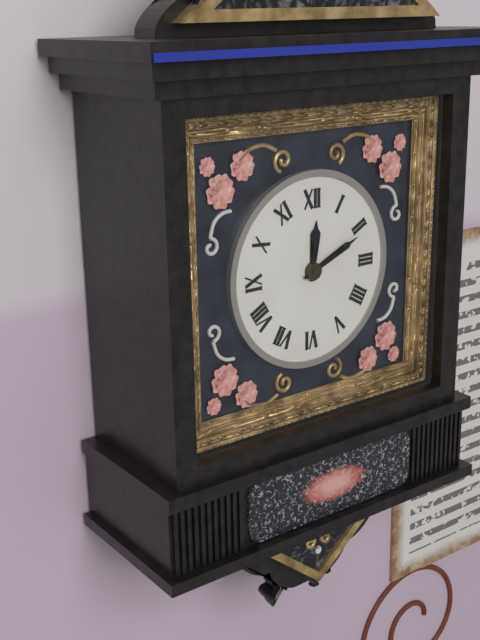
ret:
12,11
